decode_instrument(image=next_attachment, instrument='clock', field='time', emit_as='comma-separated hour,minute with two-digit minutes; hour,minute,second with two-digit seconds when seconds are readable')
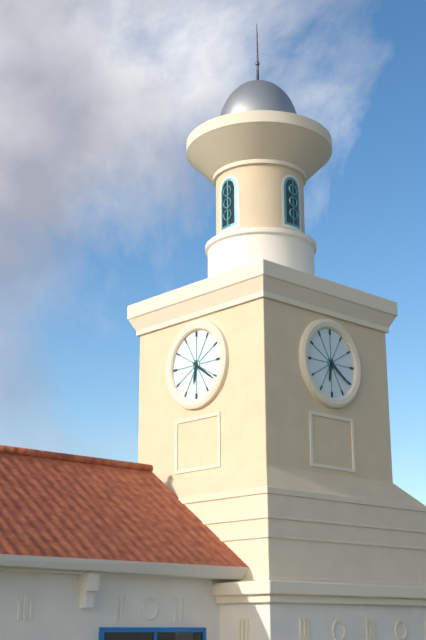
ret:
6,21
